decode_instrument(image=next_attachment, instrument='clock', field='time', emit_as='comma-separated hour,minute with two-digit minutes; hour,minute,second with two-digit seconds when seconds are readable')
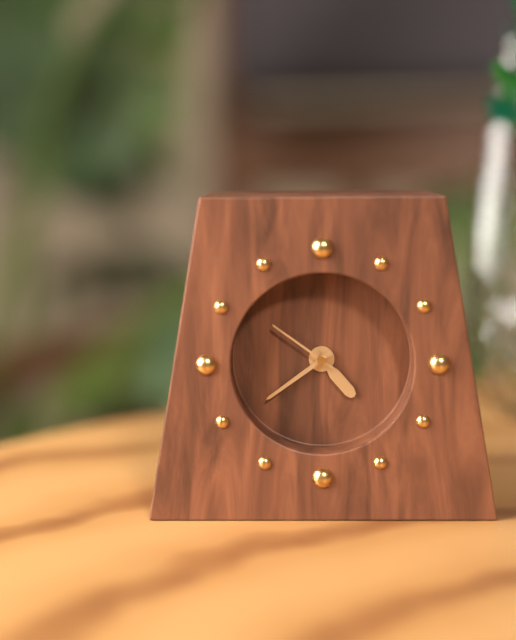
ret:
4,39,51
